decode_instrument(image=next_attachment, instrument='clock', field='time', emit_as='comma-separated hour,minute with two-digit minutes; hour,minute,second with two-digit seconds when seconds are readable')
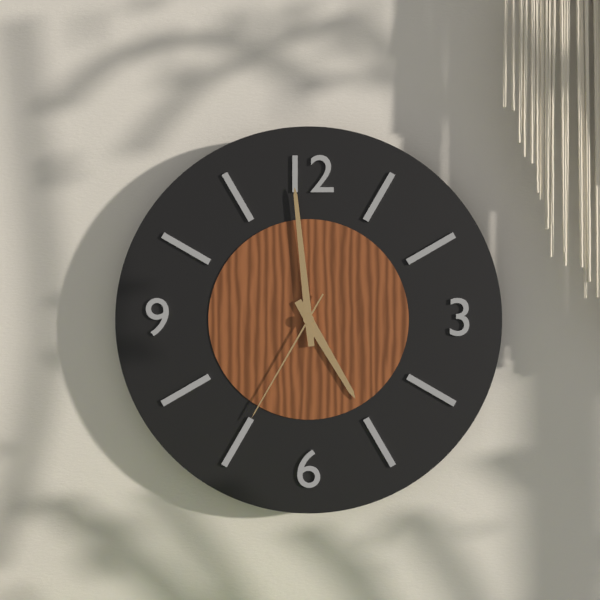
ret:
4,59,35
